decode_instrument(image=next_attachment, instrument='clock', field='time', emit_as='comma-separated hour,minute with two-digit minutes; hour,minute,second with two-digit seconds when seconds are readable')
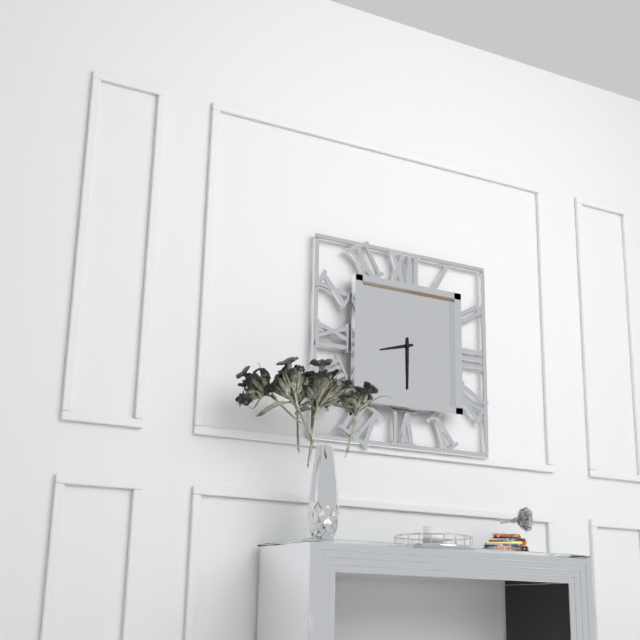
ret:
8,30
